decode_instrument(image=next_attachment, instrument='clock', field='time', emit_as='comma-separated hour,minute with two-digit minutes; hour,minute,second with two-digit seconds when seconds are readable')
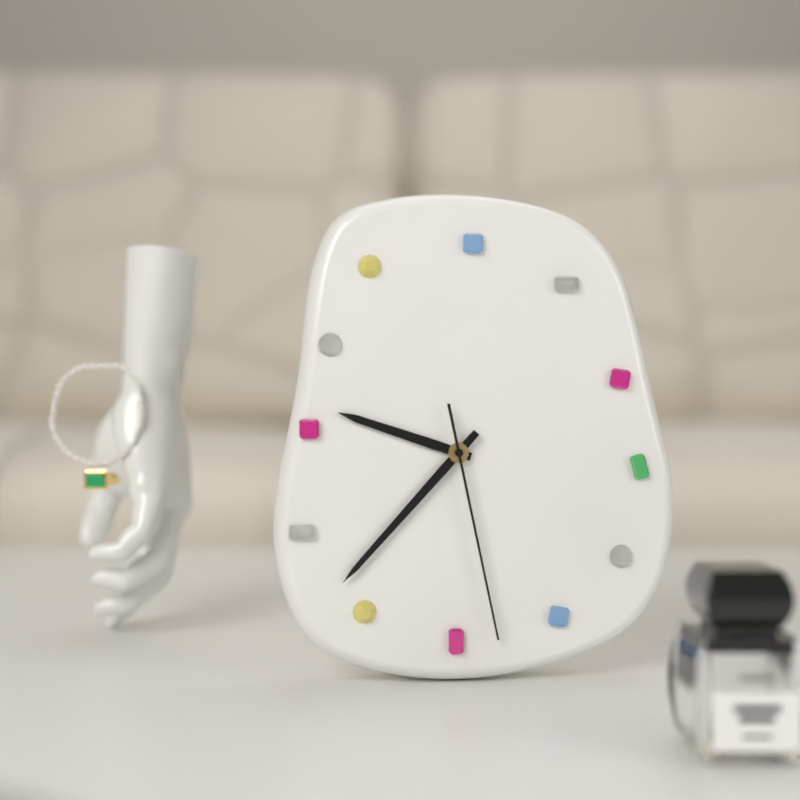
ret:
9,37,28
